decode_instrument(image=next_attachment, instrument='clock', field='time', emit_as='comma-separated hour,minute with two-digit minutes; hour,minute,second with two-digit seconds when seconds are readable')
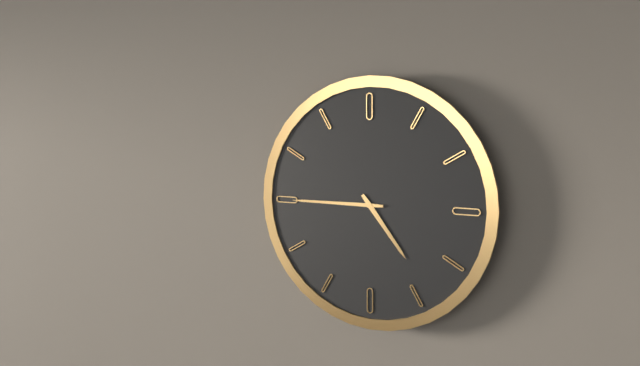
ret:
4,45
